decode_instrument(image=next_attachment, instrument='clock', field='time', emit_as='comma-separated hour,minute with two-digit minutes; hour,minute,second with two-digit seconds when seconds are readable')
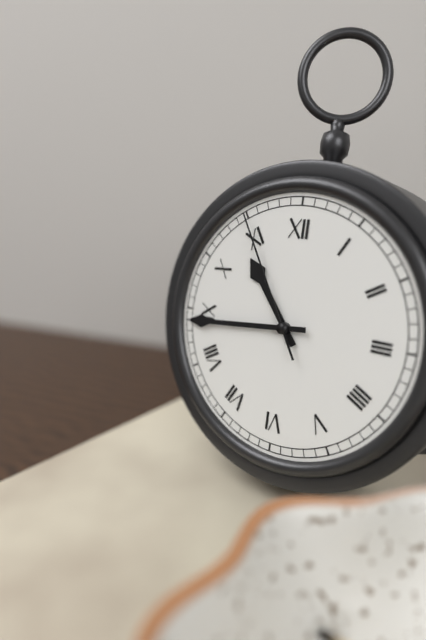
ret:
10,44,55
